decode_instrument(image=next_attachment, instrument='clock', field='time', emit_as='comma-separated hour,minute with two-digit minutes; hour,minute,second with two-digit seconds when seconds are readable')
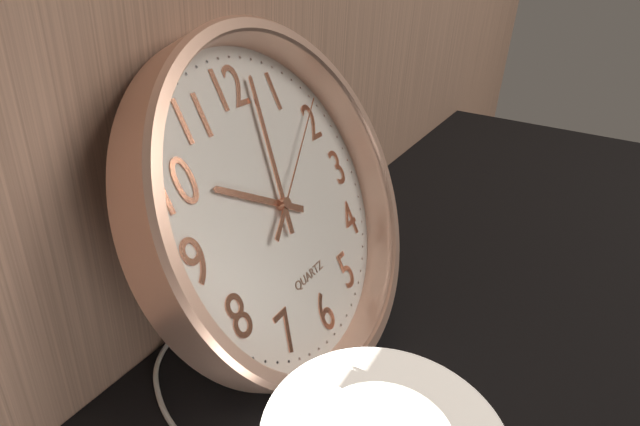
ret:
10,02,09
